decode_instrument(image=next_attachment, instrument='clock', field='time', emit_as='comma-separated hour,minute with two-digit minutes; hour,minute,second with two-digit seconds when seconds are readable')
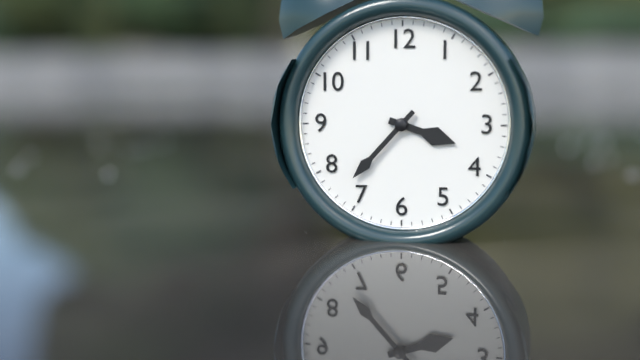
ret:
3,37
